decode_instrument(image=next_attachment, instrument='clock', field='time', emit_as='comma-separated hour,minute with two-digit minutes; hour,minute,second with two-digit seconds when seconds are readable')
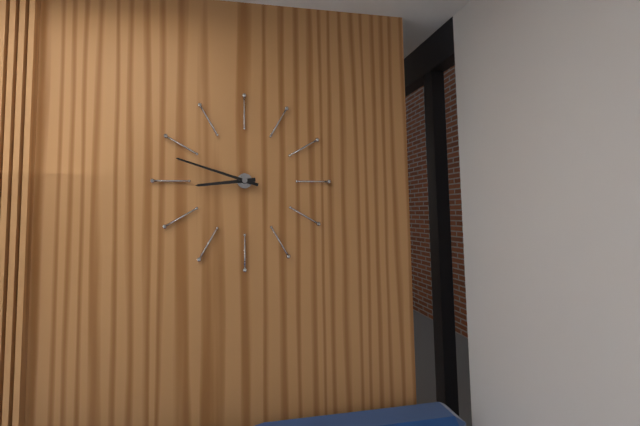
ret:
8,48
